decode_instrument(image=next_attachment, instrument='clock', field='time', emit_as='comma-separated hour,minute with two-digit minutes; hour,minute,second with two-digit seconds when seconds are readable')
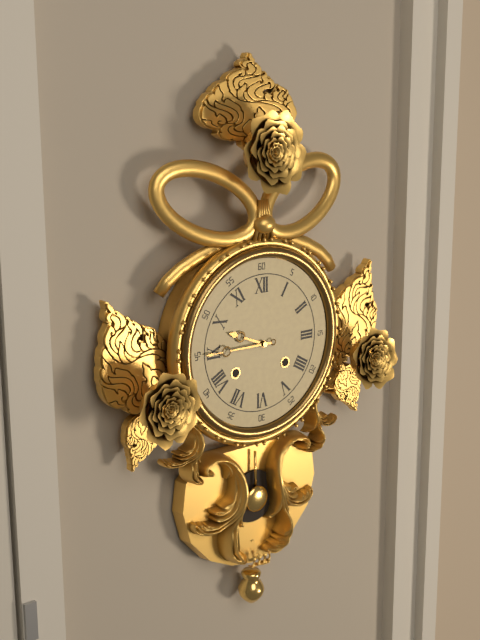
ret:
9,45
